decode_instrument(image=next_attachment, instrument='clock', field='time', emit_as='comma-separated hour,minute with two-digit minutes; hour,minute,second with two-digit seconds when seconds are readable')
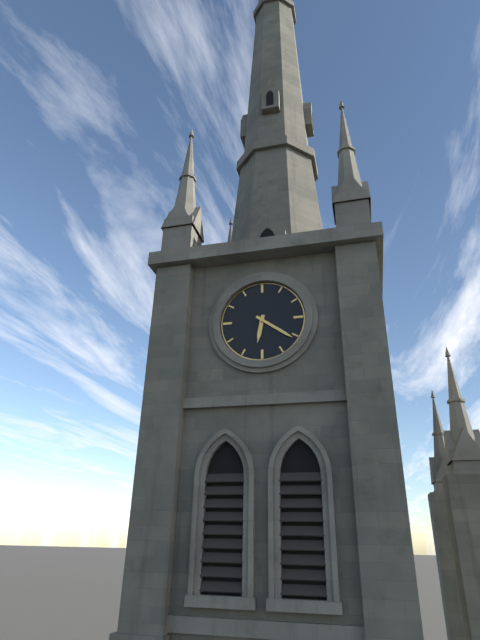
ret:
6,21
